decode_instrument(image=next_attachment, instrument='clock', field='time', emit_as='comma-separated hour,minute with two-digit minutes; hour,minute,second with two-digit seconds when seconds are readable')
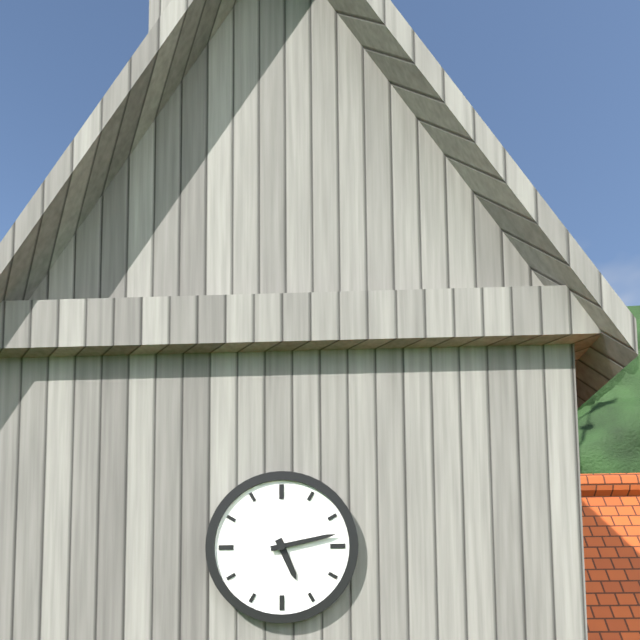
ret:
5,13
